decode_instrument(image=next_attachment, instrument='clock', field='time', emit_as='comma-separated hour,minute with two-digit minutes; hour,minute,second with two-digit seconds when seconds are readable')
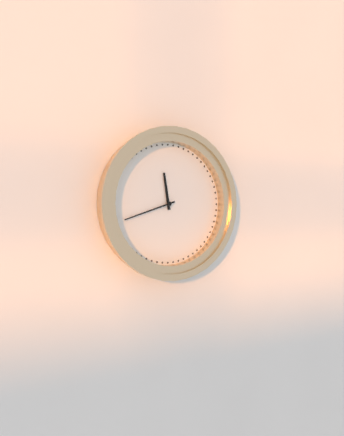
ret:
11,42
